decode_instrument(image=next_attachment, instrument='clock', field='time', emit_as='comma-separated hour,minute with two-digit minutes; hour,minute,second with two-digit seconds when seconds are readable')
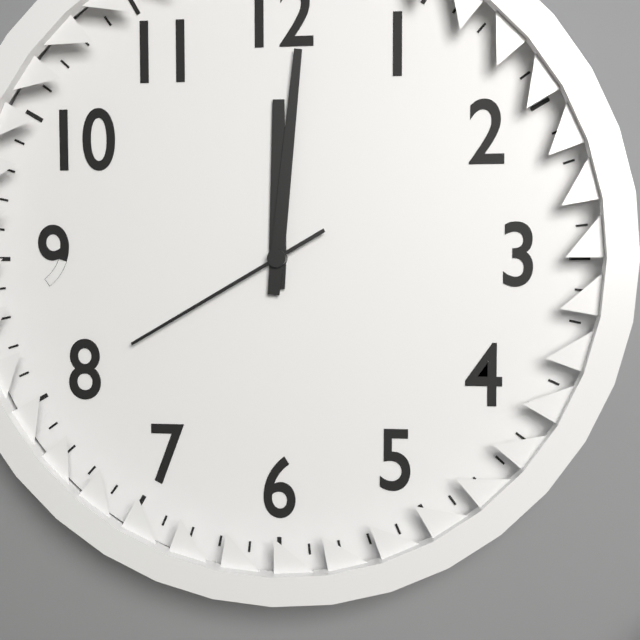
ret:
12,01,40
